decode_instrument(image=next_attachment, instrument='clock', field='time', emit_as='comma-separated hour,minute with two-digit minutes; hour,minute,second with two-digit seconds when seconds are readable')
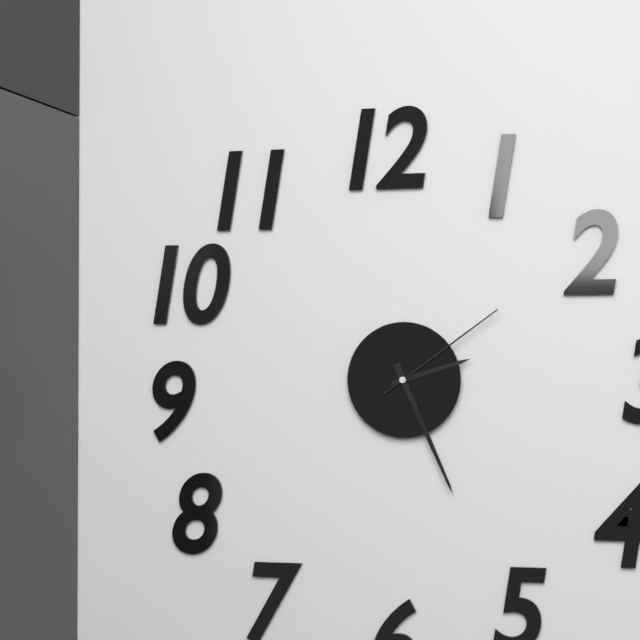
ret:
2,26,09
